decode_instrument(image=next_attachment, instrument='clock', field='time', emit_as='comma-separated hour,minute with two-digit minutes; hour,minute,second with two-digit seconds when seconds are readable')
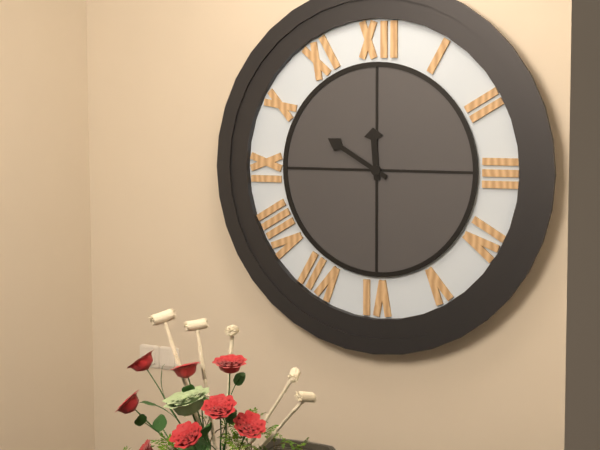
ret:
11,50
